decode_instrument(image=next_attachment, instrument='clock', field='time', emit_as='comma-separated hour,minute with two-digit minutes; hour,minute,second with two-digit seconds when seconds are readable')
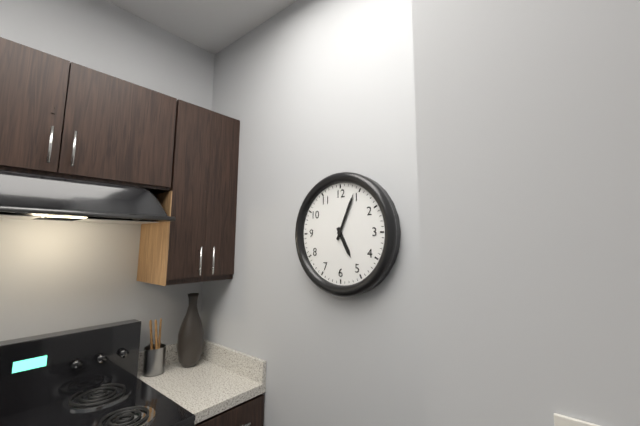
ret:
5,04
